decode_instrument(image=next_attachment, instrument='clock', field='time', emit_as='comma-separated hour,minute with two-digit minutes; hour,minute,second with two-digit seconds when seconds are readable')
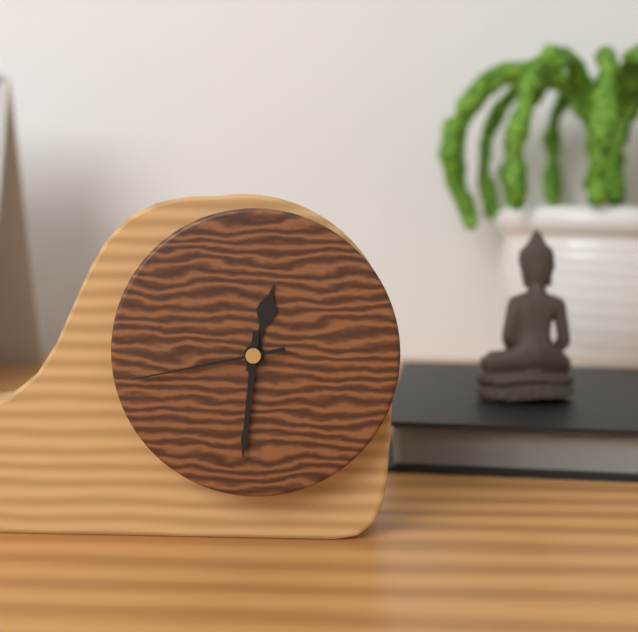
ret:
12,31,43
